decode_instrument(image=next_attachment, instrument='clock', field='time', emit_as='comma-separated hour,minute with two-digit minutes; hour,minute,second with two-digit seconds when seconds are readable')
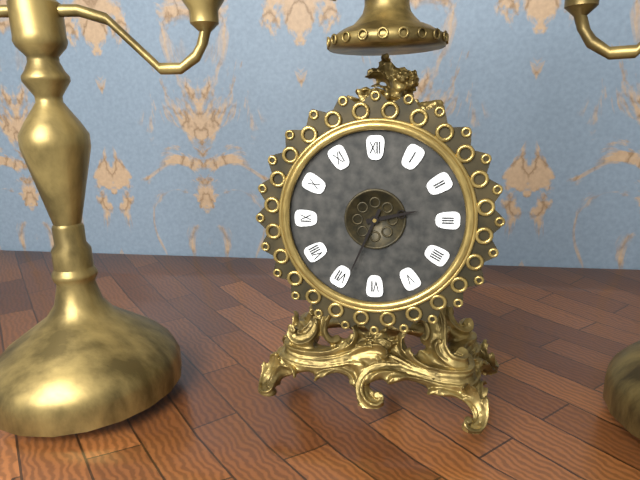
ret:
2,34
